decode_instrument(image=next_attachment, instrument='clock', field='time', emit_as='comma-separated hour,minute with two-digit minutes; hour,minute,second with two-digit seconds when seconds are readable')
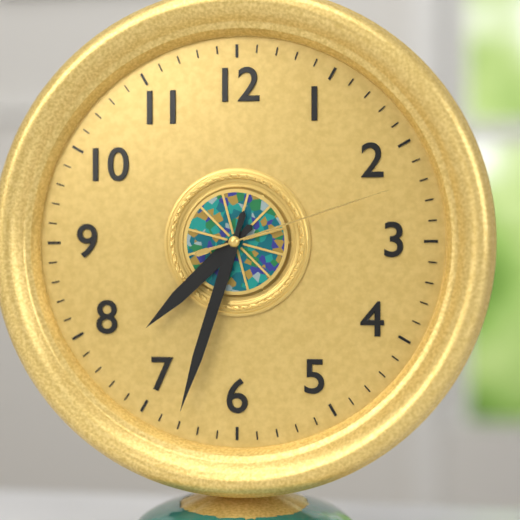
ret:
7,33,12
